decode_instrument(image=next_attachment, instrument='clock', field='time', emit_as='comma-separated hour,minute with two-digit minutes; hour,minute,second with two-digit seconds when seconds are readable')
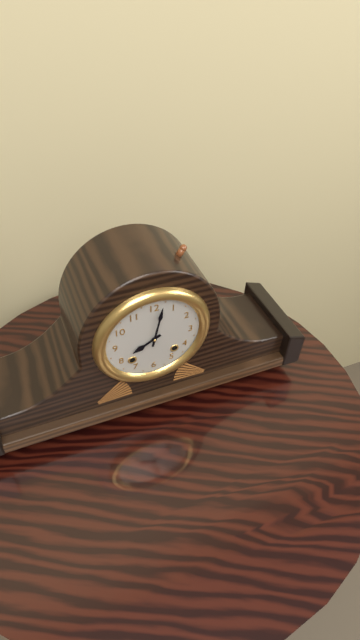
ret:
8,02
